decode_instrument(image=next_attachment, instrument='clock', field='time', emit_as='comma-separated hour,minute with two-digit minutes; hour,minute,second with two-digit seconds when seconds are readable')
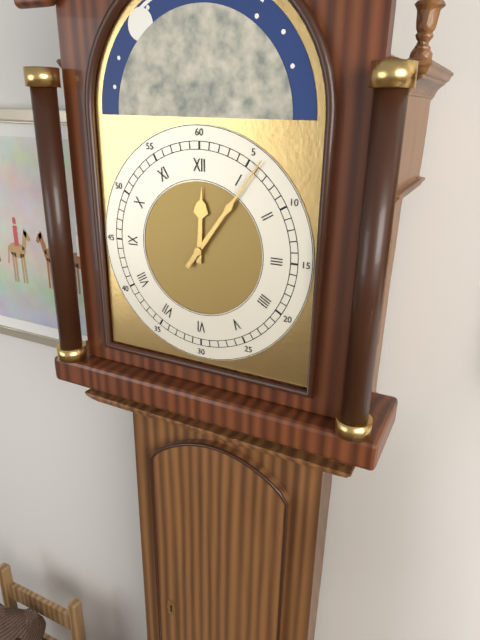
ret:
12,06
